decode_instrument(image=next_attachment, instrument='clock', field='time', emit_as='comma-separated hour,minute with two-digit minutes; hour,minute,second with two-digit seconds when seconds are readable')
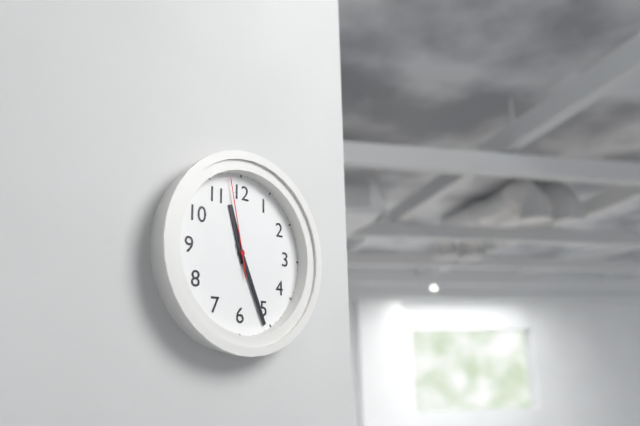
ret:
11,26,58
